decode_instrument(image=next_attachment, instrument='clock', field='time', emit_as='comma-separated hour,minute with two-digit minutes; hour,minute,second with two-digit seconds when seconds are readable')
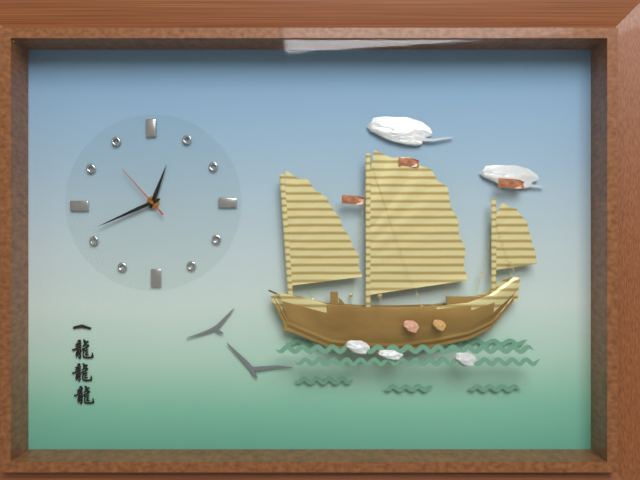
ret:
12,41,53
